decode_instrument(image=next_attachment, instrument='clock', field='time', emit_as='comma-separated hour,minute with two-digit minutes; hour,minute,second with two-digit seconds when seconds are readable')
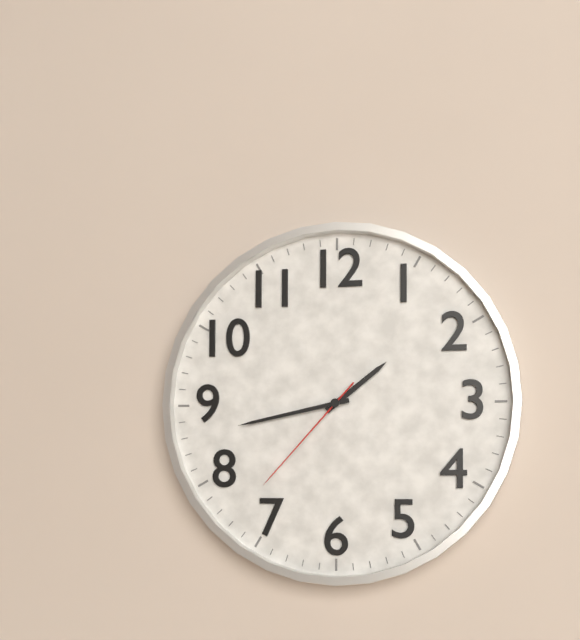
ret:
1,43,37
